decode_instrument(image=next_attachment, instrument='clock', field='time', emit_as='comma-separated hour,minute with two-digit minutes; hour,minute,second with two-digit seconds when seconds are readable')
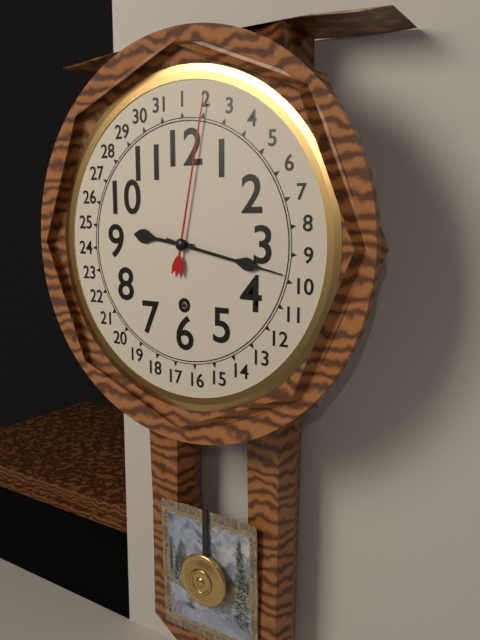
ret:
9,17
